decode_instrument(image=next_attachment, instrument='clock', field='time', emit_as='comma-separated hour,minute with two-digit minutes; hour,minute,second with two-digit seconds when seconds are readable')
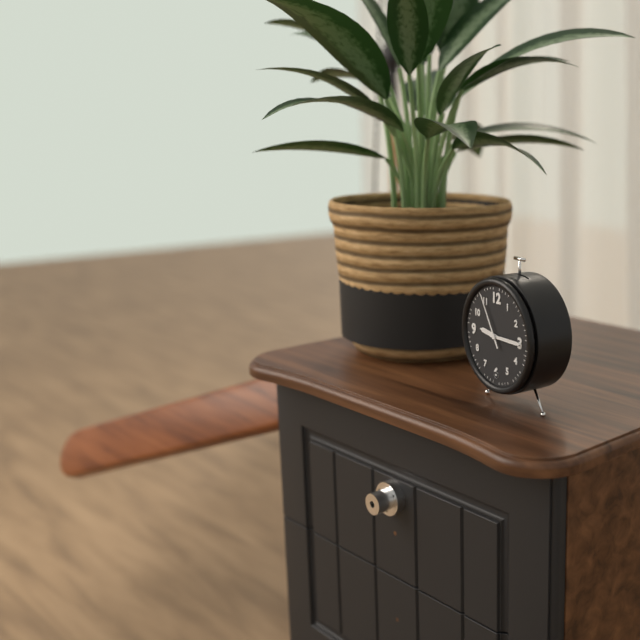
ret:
9,15,55
